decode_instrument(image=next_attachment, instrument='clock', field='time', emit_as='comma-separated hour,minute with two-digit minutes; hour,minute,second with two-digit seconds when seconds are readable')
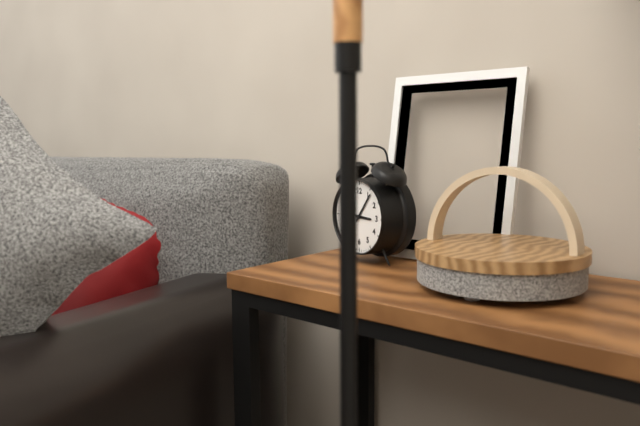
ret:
3,06
